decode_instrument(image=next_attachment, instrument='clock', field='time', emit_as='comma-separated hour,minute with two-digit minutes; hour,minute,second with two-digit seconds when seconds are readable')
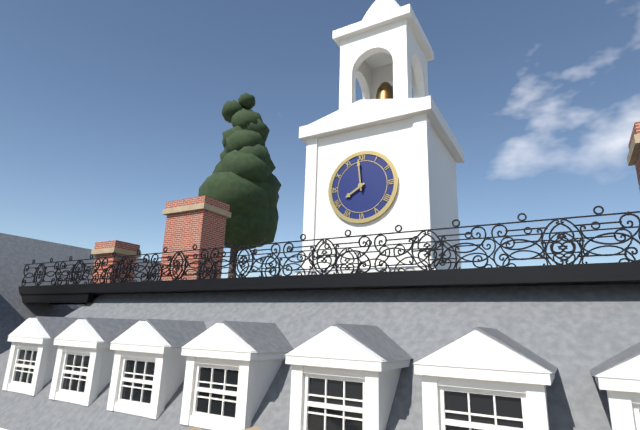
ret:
7,59
